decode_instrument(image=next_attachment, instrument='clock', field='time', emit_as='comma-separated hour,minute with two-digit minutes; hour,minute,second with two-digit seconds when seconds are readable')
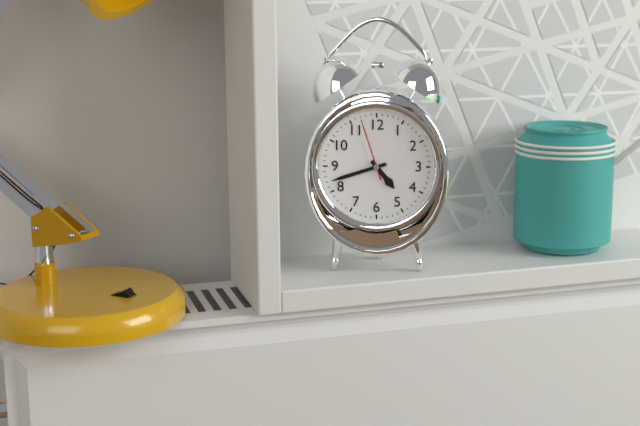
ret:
4,42,57
